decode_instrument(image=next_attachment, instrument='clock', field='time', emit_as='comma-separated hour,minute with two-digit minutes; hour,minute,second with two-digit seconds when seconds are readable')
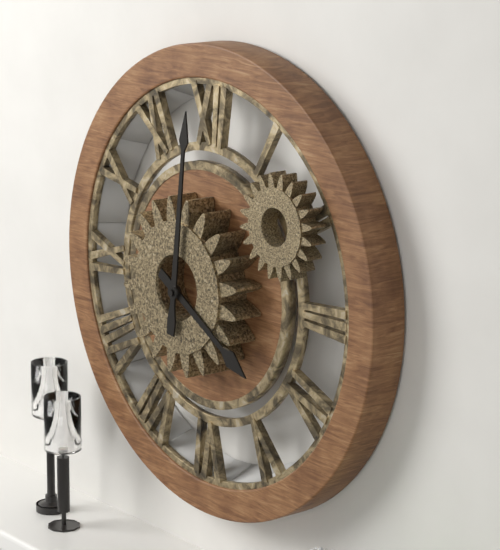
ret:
4,01
